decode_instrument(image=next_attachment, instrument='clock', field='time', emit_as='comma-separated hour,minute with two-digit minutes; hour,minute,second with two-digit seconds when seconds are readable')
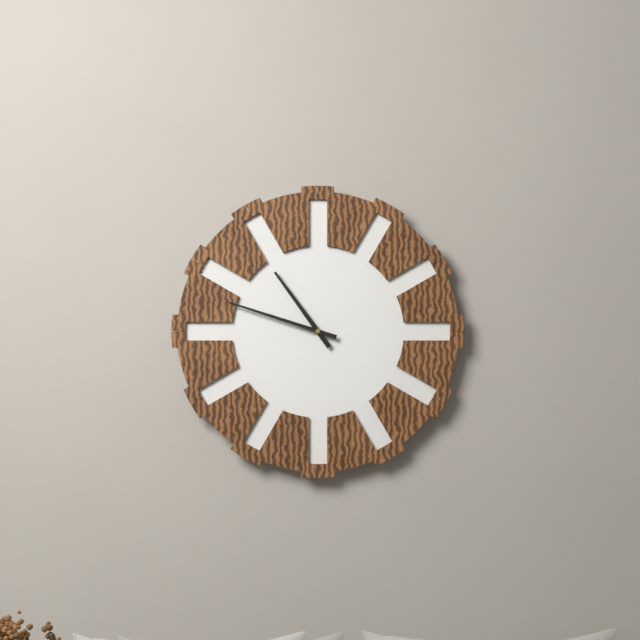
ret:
10,48
